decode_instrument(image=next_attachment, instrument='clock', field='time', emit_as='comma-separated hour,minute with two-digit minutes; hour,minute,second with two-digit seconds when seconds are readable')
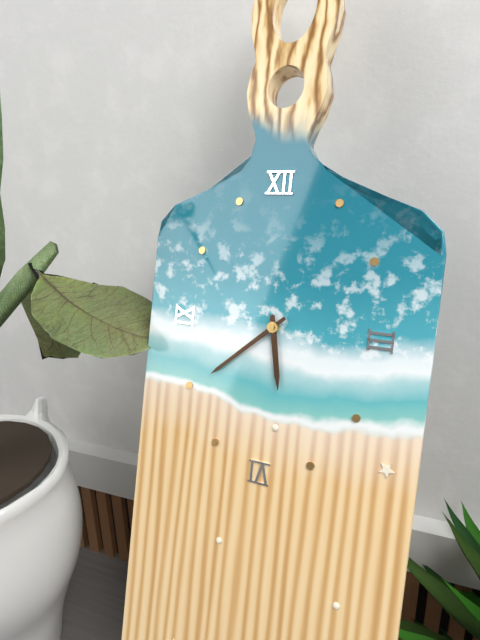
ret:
5,38
